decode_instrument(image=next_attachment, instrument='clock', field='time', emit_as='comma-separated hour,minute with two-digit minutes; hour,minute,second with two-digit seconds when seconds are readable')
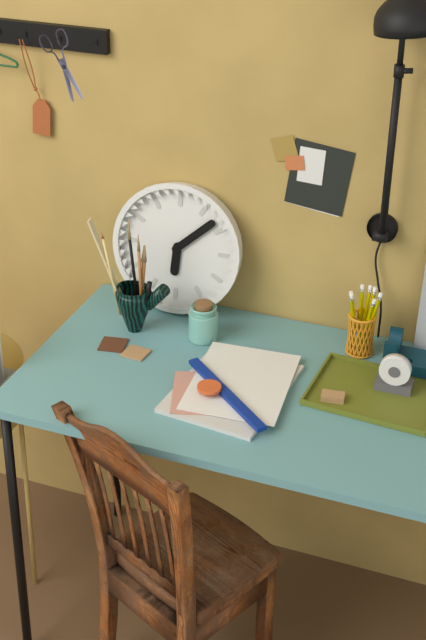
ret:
6,08
